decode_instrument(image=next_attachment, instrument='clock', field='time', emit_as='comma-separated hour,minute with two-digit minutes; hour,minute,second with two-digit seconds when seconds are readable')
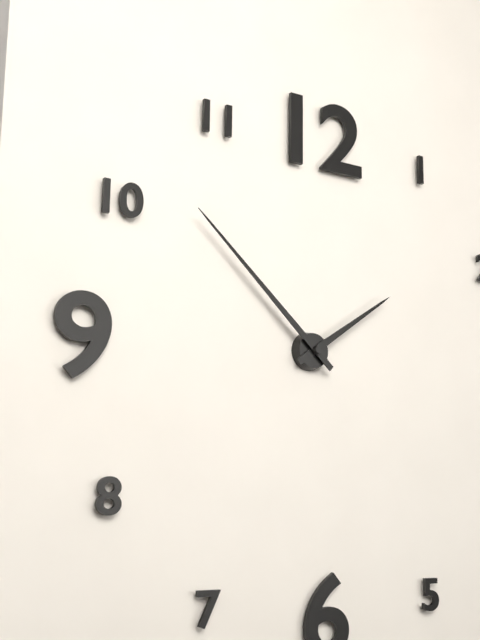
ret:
1,52
